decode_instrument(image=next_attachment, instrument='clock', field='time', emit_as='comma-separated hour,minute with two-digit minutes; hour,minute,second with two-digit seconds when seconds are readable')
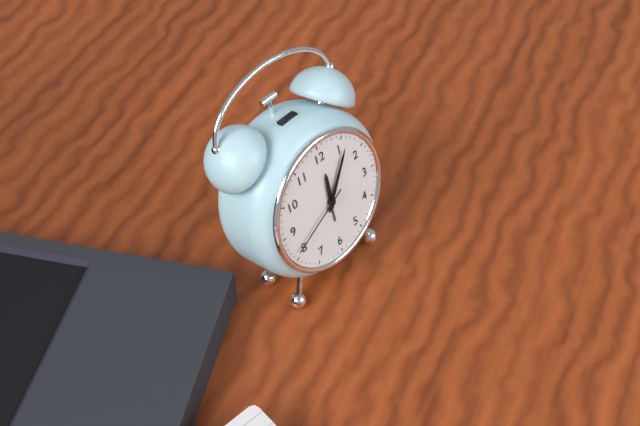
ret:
12,06,41
